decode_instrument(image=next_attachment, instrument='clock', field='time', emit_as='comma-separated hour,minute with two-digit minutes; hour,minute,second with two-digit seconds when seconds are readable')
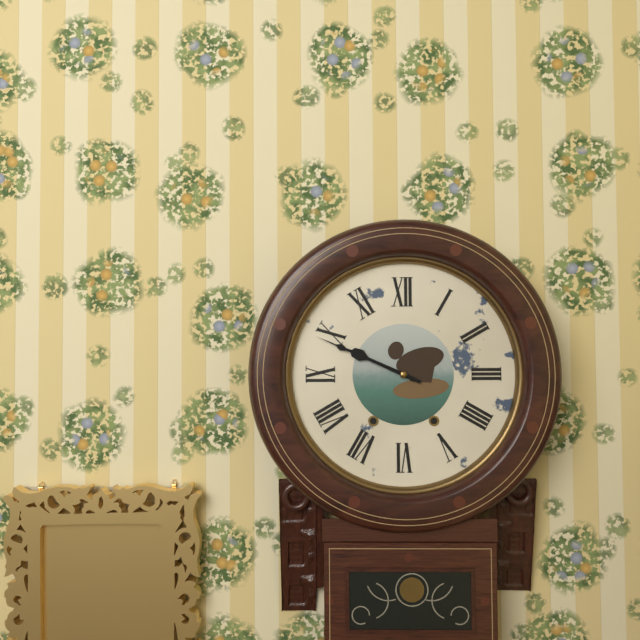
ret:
9,49
